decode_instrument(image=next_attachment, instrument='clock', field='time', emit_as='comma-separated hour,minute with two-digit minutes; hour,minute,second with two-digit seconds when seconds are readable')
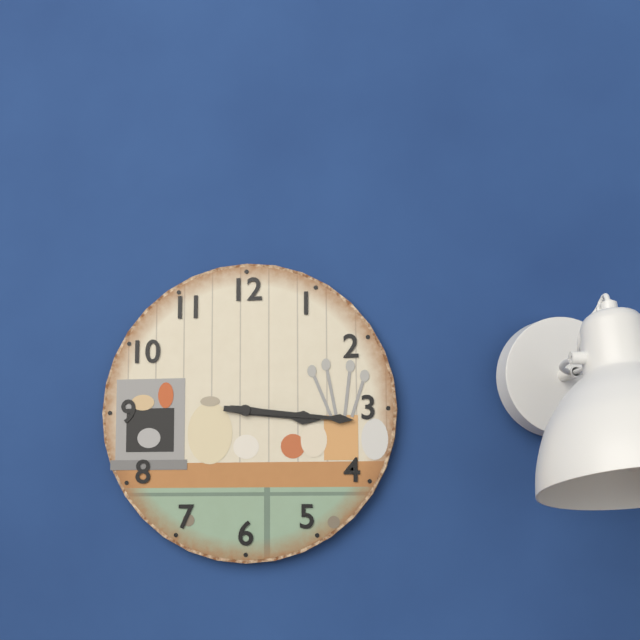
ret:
3,16
